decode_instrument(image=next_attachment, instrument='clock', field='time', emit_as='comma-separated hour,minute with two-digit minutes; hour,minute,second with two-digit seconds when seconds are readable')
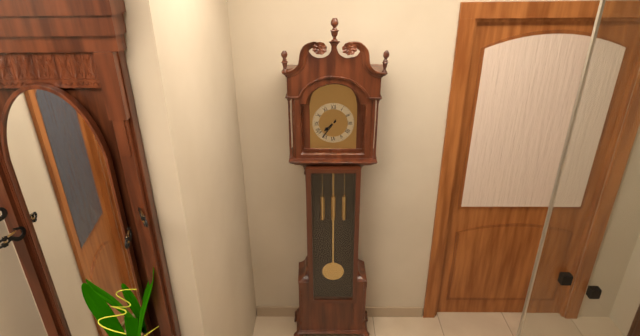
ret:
7,36
